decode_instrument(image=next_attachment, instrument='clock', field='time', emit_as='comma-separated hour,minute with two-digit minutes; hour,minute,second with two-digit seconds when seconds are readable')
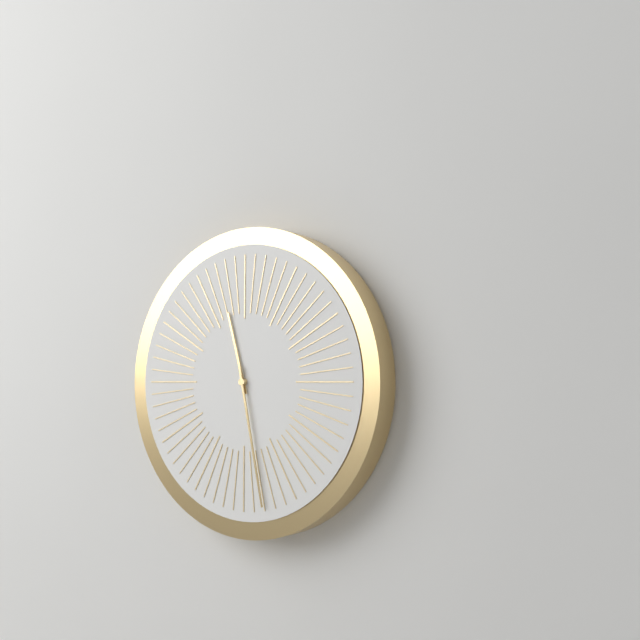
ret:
11,28
